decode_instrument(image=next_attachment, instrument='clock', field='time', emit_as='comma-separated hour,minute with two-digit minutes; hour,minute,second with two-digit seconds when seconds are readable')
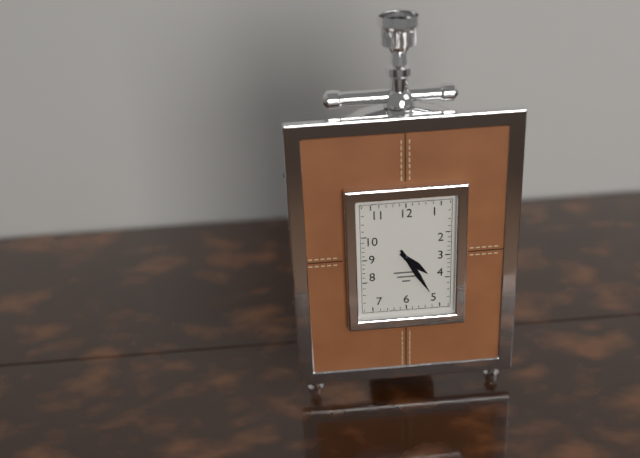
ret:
4,25
